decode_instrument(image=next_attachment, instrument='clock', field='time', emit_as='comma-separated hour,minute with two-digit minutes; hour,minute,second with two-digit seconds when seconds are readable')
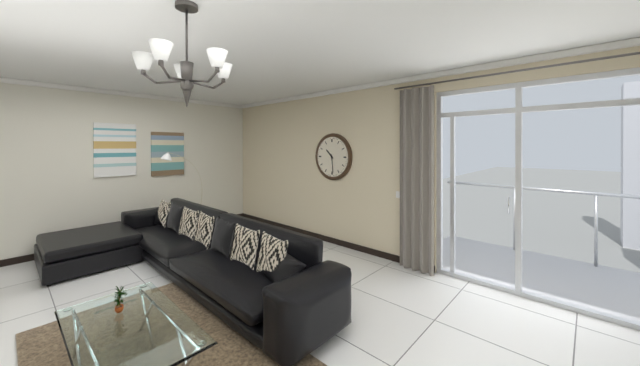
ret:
10,29
